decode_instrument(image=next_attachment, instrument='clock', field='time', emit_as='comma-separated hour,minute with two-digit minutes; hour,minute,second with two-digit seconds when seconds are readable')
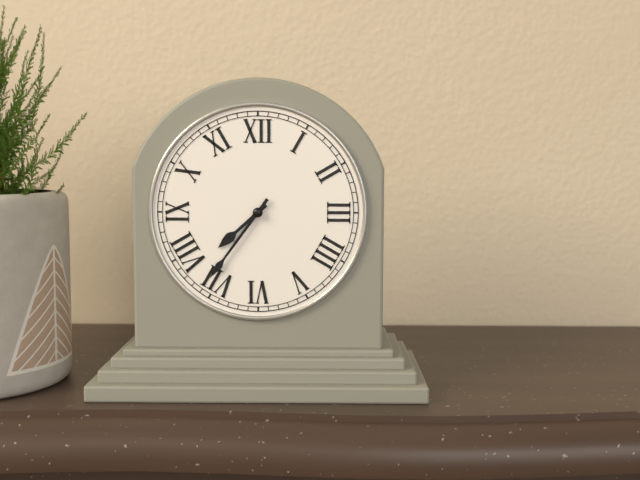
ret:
7,36
